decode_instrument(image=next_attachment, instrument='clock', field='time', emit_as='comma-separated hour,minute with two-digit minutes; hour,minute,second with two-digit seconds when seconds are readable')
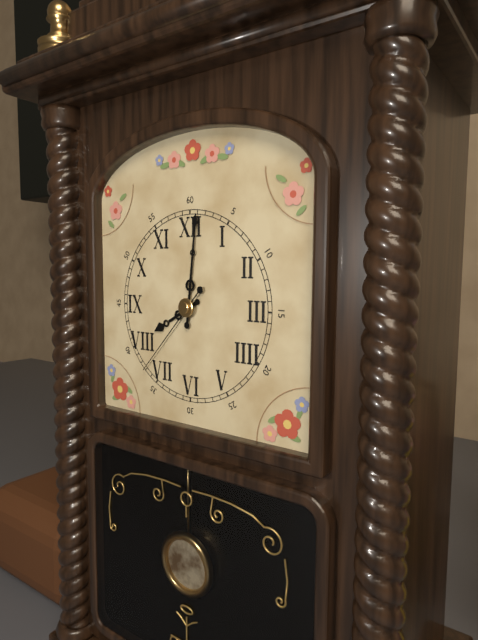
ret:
8,01,37
